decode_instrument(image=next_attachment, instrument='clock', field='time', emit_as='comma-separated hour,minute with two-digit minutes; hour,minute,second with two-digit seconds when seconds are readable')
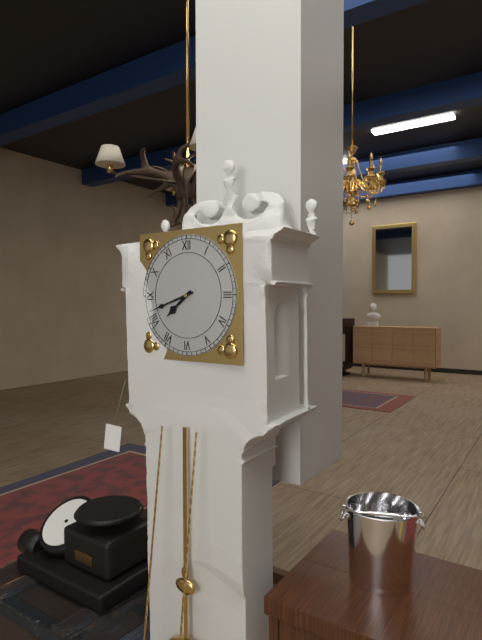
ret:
7,42
